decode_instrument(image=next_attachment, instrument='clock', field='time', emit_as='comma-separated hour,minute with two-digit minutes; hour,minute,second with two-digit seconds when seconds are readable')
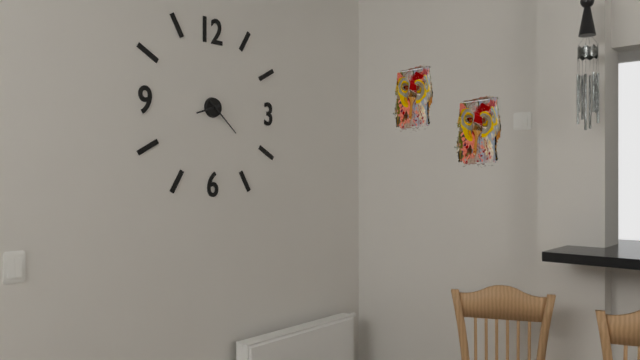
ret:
8,22
